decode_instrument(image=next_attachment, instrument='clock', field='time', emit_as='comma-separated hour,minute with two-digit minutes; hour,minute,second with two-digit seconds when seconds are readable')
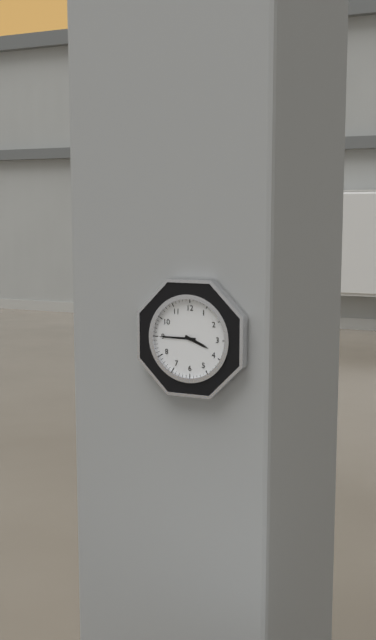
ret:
3,45
